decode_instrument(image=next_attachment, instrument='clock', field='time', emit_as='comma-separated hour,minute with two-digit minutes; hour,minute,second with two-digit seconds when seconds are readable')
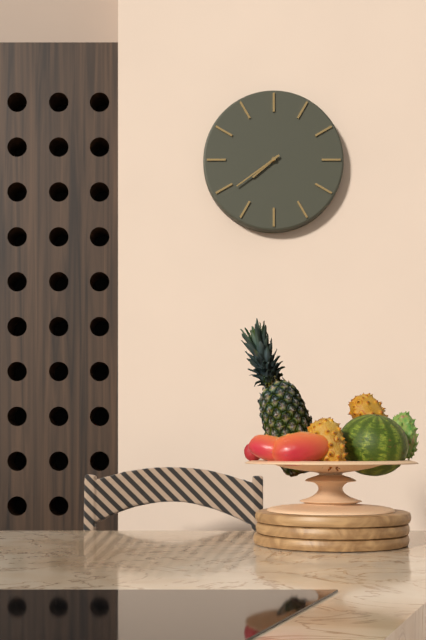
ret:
7,39
